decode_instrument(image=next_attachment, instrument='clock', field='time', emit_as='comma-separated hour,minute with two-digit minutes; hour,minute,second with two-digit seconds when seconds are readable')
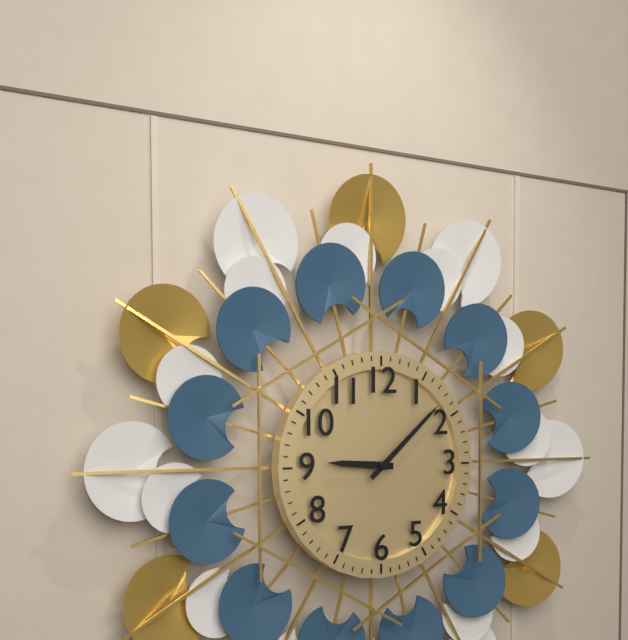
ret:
9,08
